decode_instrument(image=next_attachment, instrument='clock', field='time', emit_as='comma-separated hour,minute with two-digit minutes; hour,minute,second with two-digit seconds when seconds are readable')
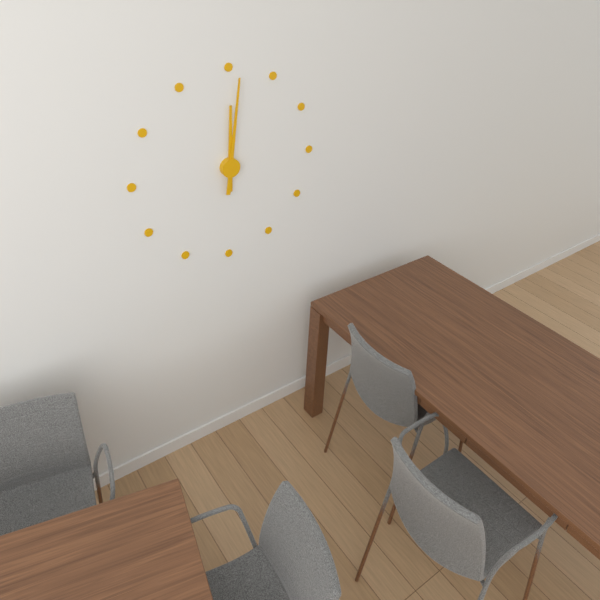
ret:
12,01
